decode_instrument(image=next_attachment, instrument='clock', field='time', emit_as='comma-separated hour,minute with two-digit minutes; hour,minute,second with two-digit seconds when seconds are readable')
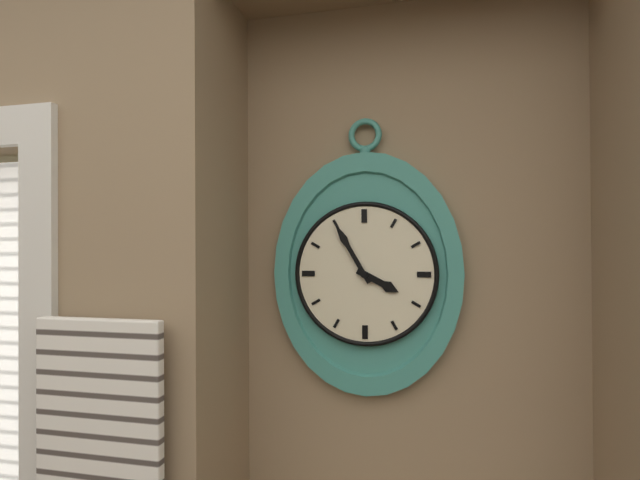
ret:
3,55
